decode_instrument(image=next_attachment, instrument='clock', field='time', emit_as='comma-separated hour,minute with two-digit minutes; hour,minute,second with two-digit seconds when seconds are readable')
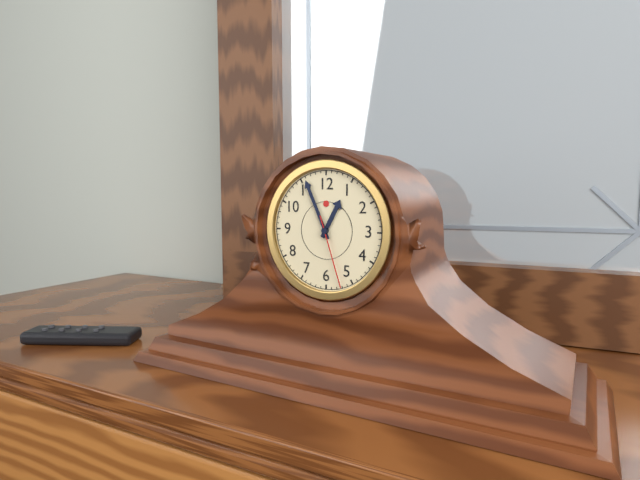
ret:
12,56,27
